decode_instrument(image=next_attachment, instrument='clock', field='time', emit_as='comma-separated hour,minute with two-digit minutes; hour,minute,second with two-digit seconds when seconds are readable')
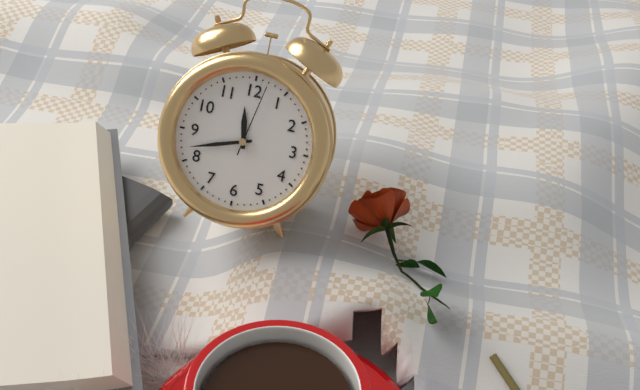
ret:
11,42,02
